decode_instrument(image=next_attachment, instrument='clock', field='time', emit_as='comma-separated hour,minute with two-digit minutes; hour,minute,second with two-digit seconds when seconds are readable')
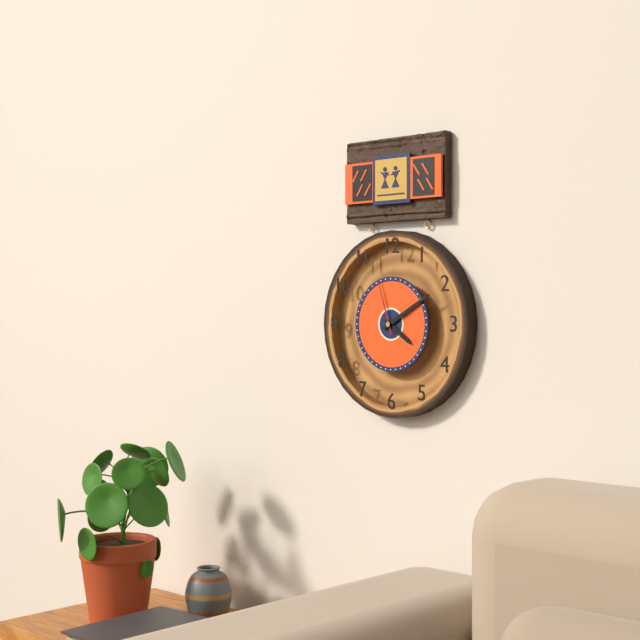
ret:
4,10,57
